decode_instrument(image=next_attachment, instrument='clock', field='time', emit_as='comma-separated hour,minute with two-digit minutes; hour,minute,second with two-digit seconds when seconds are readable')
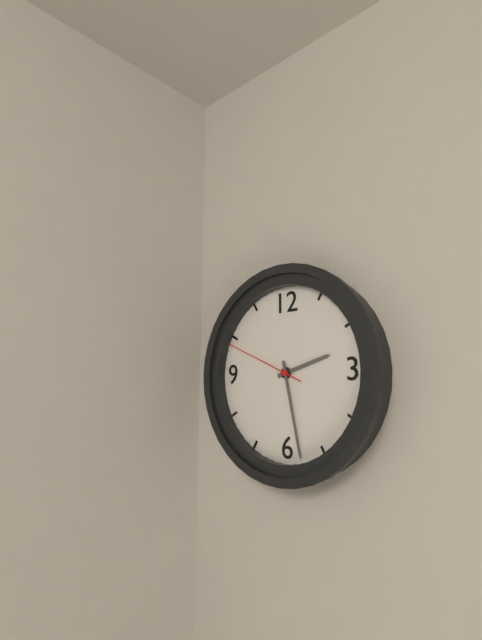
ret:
2,28,49
